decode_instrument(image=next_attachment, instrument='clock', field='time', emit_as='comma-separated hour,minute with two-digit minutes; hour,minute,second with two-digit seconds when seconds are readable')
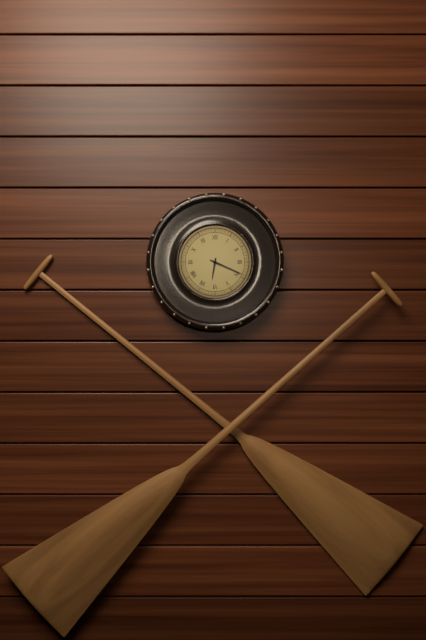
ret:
6,19
